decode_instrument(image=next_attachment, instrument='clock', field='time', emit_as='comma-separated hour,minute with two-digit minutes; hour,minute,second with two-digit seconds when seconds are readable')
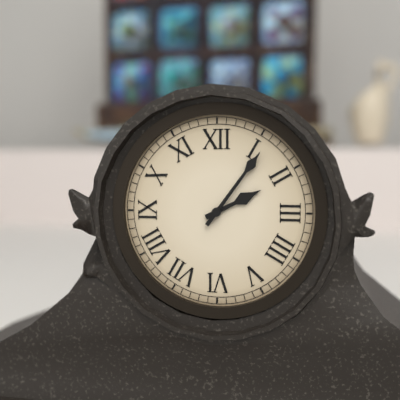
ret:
2,06
